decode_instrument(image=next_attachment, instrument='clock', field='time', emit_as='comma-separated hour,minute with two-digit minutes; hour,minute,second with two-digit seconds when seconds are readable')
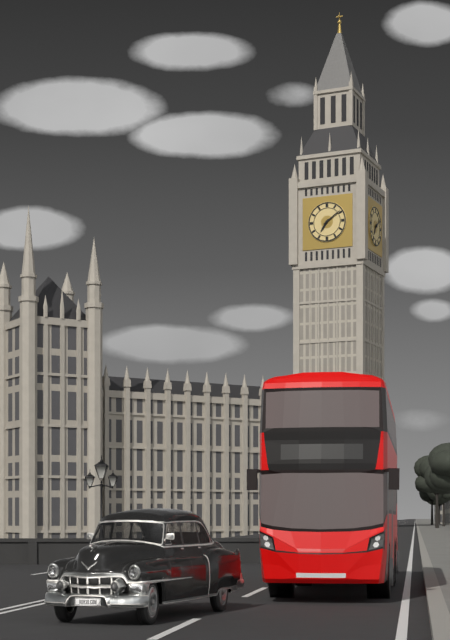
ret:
7,09
